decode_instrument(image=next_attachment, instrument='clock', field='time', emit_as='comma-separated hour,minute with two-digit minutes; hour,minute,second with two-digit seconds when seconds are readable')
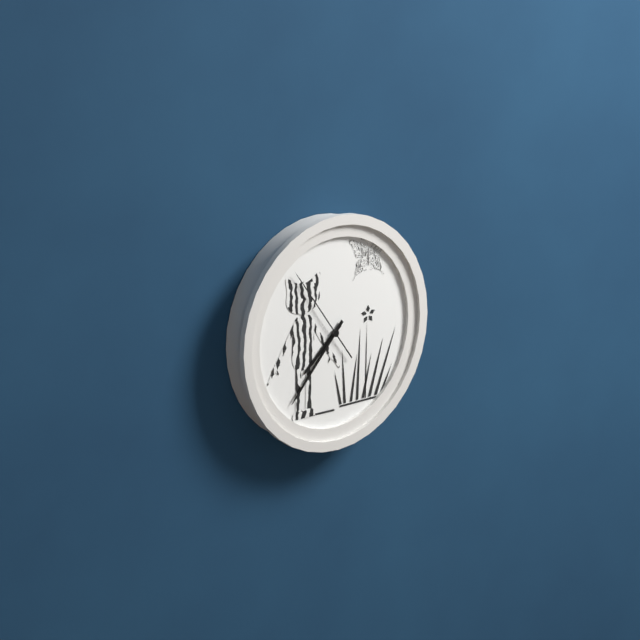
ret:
7,37,54
